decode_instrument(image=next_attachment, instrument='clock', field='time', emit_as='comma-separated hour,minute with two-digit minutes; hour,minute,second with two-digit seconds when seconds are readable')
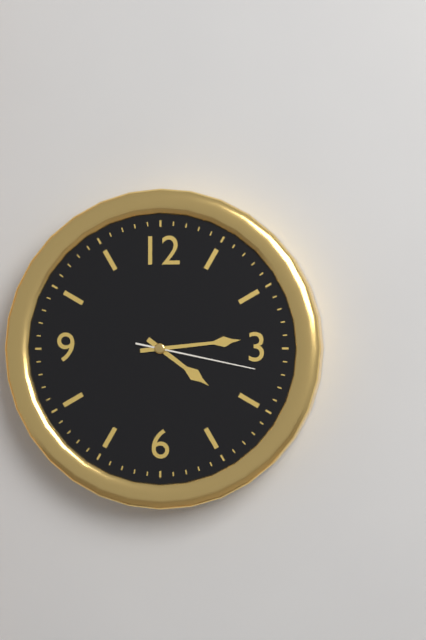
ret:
4,14,17
